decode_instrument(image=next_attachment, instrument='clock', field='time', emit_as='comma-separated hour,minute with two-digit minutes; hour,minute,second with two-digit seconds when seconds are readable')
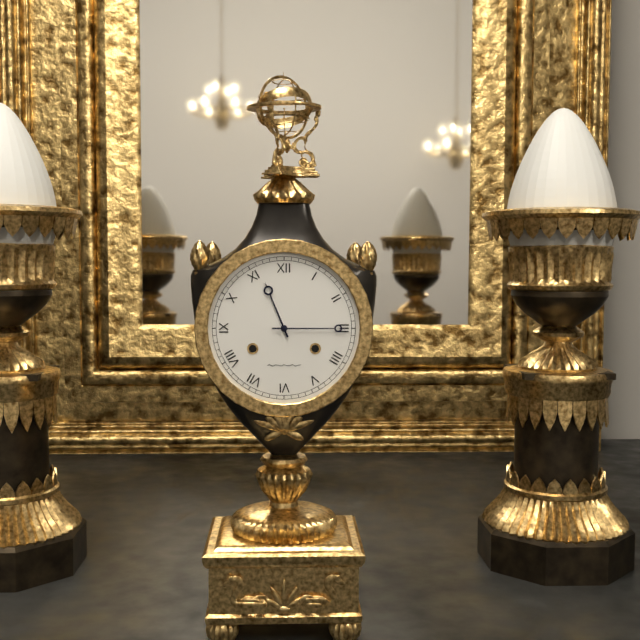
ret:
11,15
